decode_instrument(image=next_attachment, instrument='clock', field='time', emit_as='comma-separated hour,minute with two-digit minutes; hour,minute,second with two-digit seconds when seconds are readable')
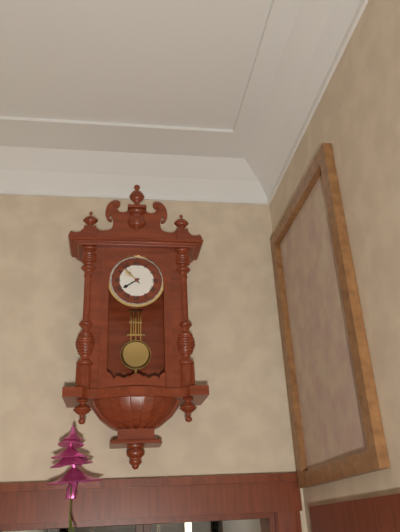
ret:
7,53
